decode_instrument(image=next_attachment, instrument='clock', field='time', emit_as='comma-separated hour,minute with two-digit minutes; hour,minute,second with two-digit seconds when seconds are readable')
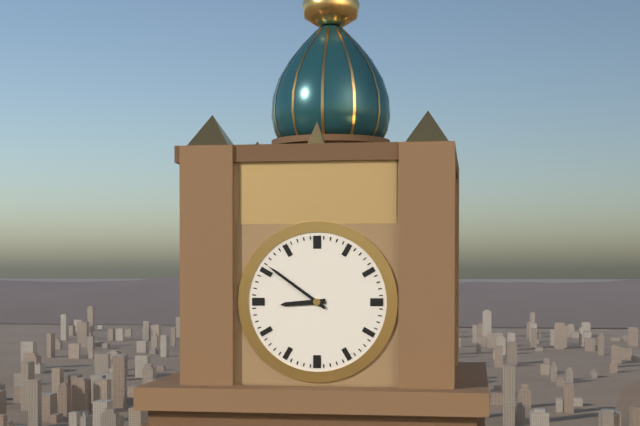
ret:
8,51
